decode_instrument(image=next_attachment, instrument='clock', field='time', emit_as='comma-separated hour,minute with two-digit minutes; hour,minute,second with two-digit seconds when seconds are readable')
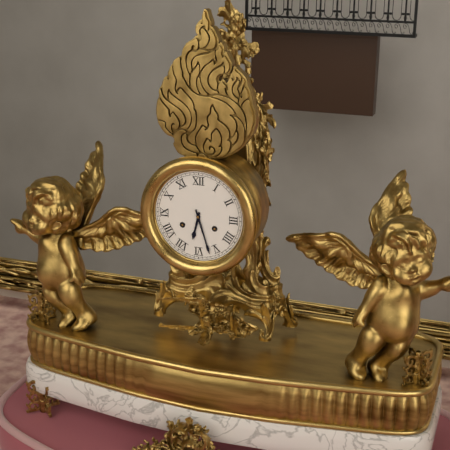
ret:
6,27
